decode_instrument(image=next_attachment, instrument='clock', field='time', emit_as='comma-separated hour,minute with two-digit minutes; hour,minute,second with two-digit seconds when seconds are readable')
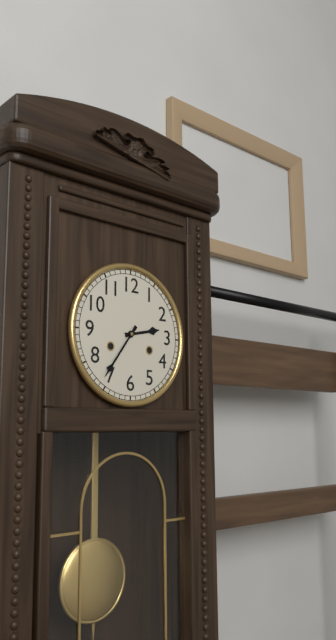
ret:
2,36
